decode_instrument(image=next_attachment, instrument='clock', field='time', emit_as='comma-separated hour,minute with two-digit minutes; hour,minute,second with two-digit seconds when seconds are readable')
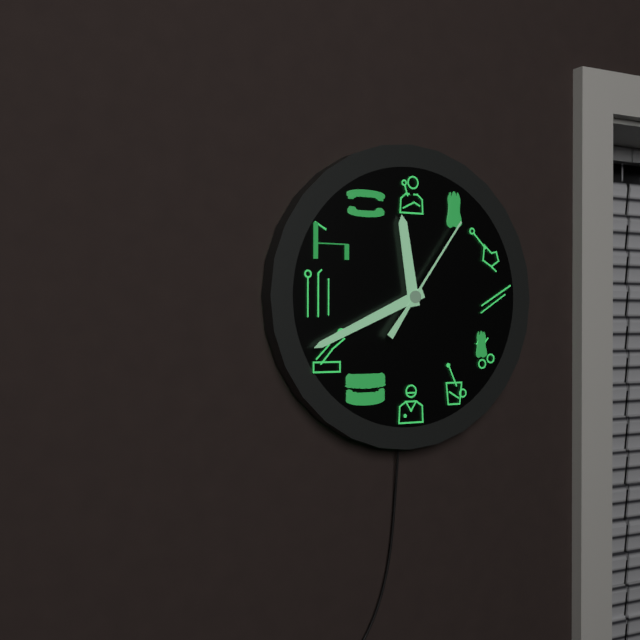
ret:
11,41,06
